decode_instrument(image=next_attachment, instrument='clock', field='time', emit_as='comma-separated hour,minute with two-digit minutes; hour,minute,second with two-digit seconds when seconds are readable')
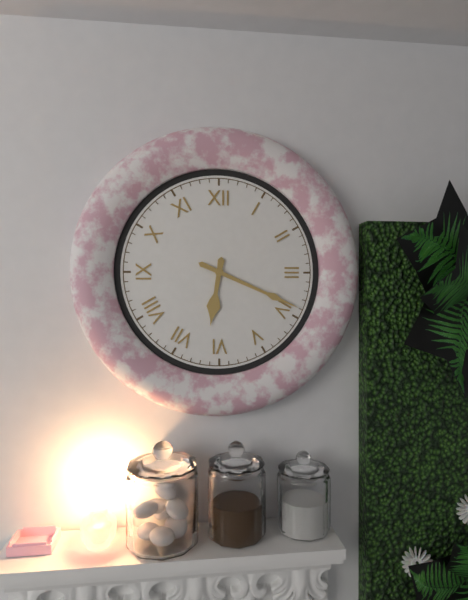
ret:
6,19
